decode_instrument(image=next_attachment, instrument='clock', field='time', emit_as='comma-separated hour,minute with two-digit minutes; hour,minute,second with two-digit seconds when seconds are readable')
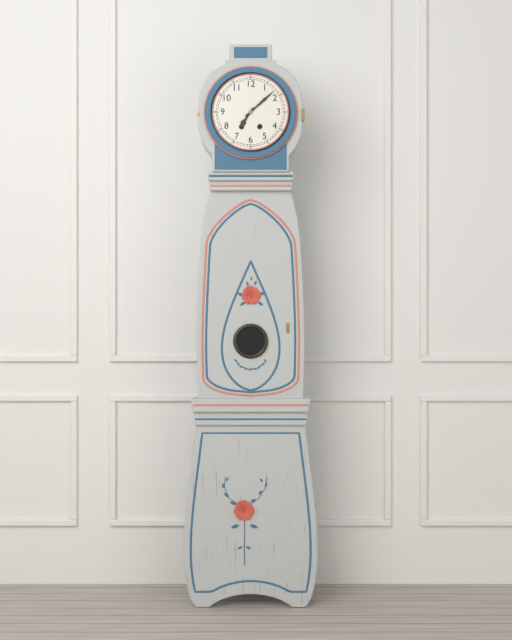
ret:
7,08
